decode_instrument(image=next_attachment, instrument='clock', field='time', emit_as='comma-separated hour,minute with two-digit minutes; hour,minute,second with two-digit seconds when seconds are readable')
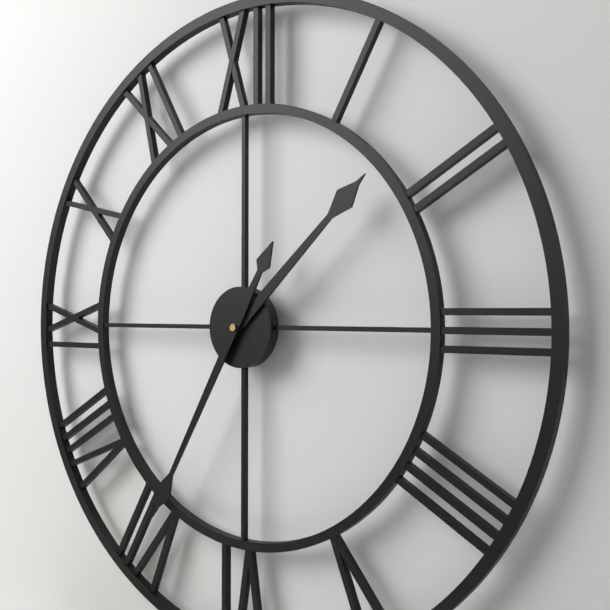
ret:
1,35
